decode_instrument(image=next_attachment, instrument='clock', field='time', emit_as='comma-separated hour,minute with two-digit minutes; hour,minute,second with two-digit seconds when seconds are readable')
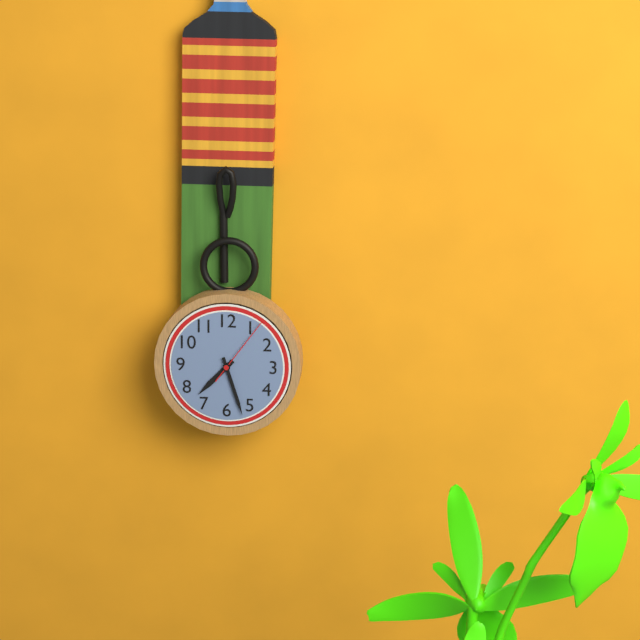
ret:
7,27,06
